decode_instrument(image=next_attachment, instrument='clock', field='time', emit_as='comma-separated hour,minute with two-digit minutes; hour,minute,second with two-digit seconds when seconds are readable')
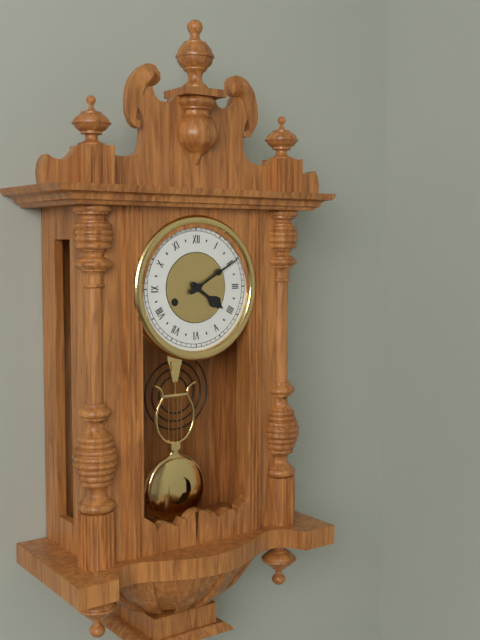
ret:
4,10
